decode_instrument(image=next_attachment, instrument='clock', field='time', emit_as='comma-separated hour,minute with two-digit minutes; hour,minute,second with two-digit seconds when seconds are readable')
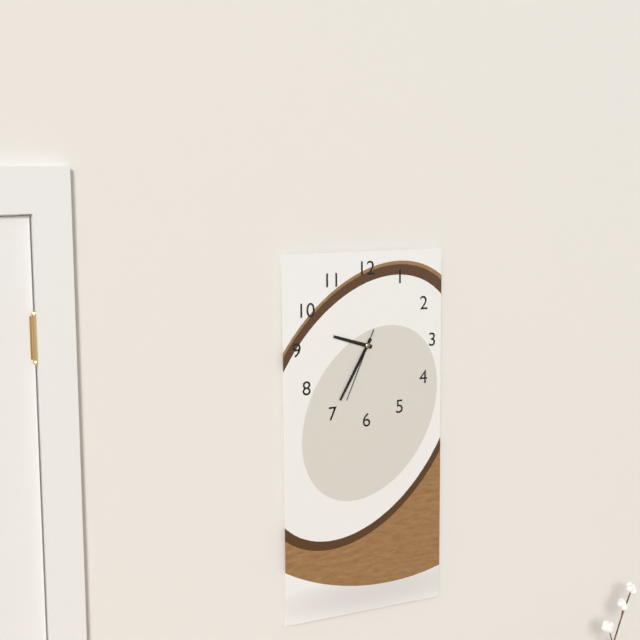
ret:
9,35,34
